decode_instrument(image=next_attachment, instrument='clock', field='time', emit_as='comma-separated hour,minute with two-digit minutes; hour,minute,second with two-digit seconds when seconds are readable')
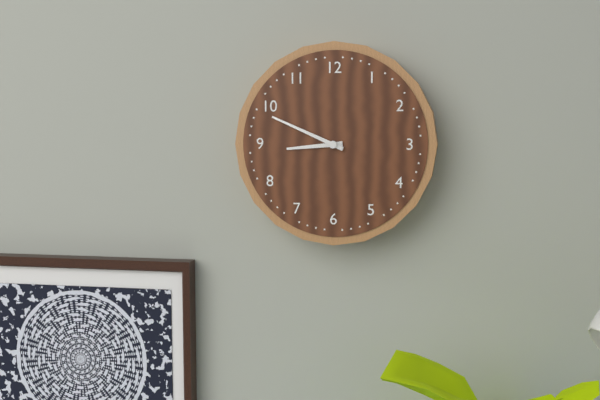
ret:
8,49
